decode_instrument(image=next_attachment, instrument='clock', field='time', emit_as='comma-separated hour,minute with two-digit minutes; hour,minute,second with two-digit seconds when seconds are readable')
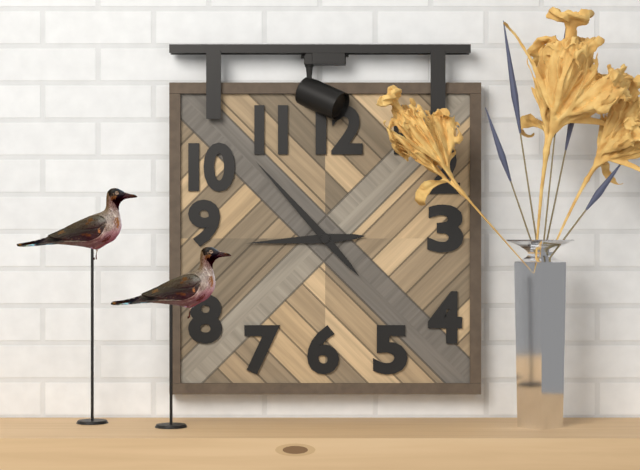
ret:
8,53
